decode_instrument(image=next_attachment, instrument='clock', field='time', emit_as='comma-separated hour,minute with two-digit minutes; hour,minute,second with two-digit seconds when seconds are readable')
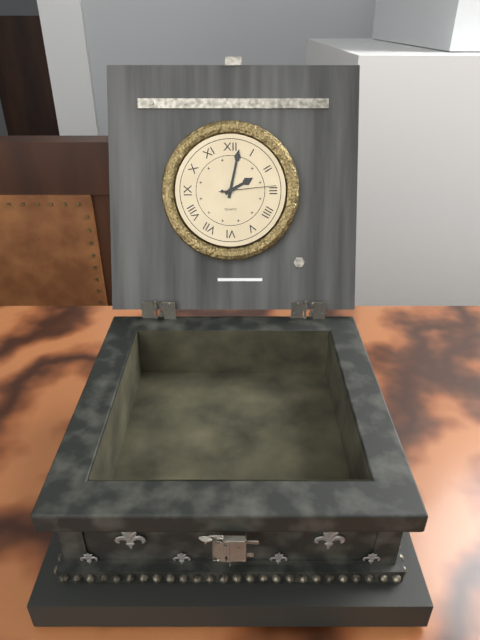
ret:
2,02,14
